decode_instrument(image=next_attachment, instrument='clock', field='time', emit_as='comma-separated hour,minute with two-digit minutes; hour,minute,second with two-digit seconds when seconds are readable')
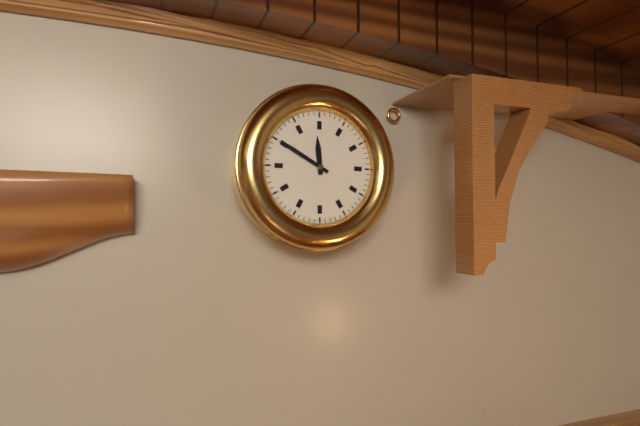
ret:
11,50
